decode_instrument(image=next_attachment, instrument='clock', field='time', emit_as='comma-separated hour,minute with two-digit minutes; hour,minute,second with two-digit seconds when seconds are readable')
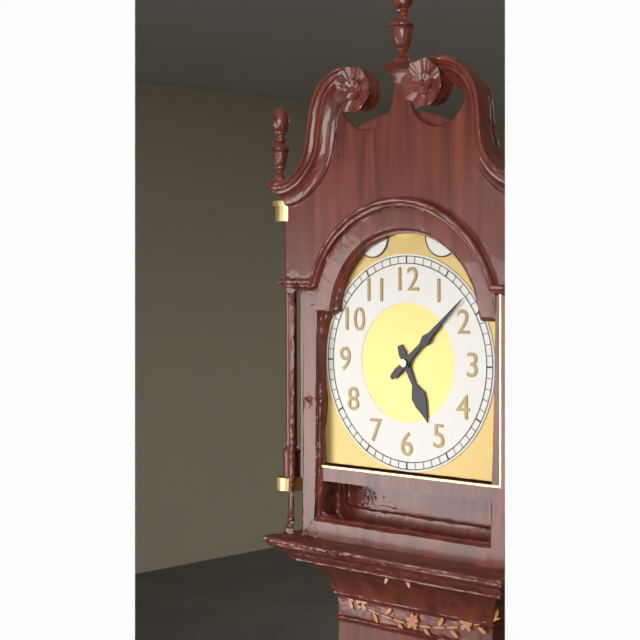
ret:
5,08
